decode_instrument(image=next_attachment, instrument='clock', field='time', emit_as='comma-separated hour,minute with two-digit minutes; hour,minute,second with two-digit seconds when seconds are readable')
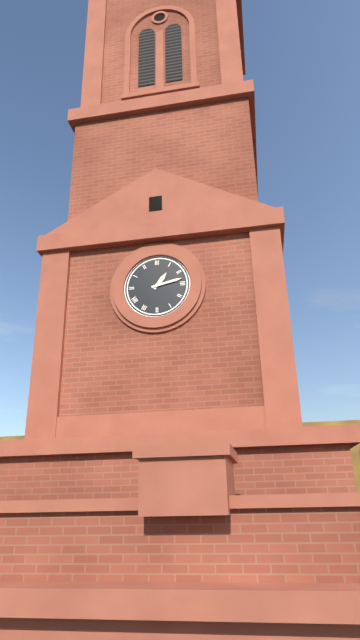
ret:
1,13
